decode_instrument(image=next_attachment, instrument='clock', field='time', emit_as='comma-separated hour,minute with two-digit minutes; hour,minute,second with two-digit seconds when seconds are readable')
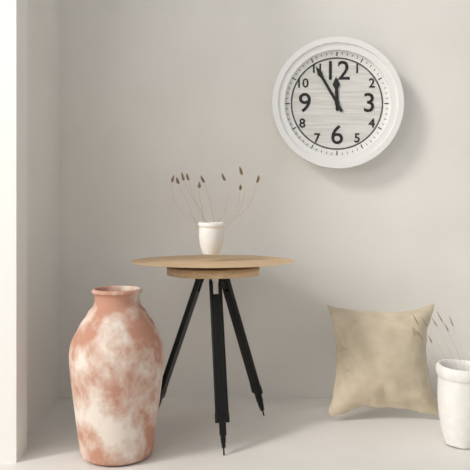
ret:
11,55
